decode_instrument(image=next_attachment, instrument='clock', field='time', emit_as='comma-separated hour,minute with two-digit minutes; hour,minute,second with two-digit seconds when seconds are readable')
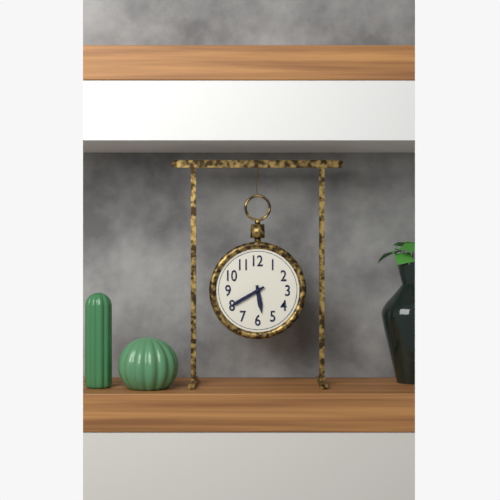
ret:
5,40
